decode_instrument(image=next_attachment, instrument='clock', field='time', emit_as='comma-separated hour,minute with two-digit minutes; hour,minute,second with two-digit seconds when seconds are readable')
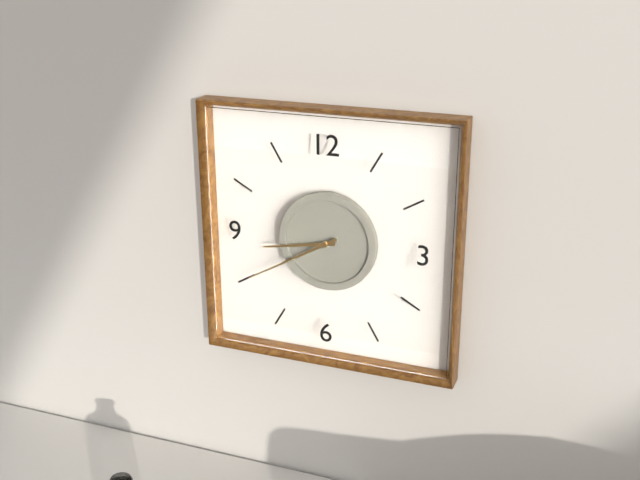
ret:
8,40
